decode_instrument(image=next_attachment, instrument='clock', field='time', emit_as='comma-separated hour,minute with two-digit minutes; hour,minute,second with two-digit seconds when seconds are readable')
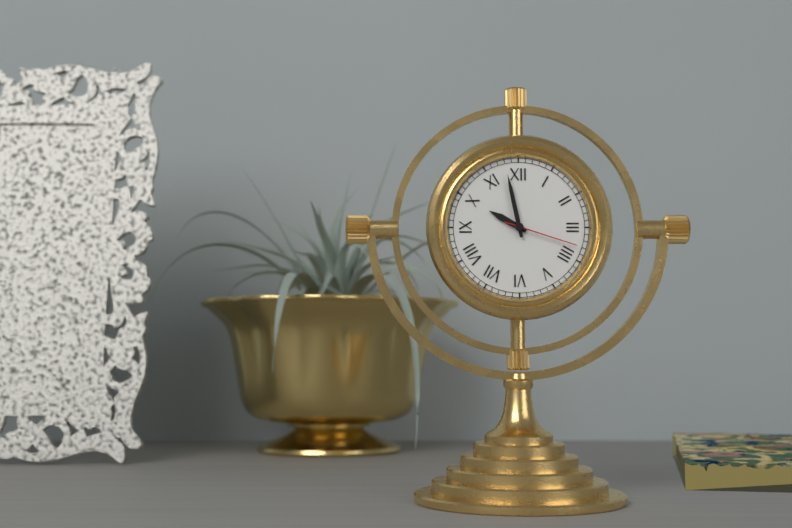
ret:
9,58,18
